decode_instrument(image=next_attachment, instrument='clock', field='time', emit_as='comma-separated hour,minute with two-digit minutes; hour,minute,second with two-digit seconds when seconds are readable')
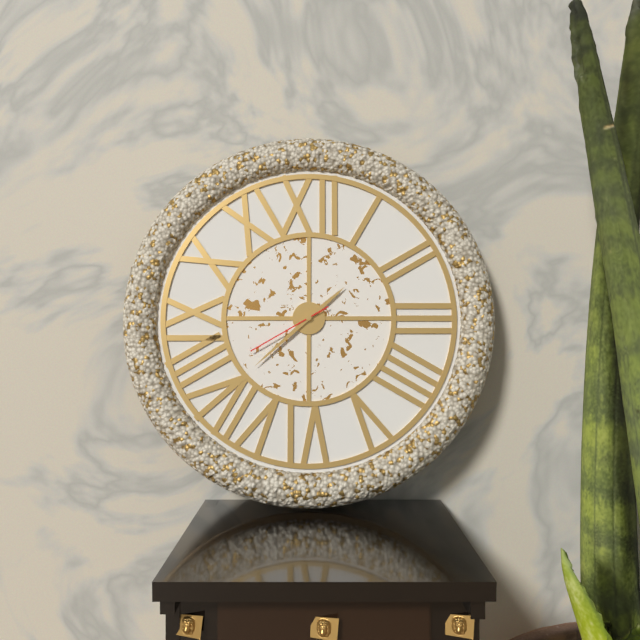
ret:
1,38,40
